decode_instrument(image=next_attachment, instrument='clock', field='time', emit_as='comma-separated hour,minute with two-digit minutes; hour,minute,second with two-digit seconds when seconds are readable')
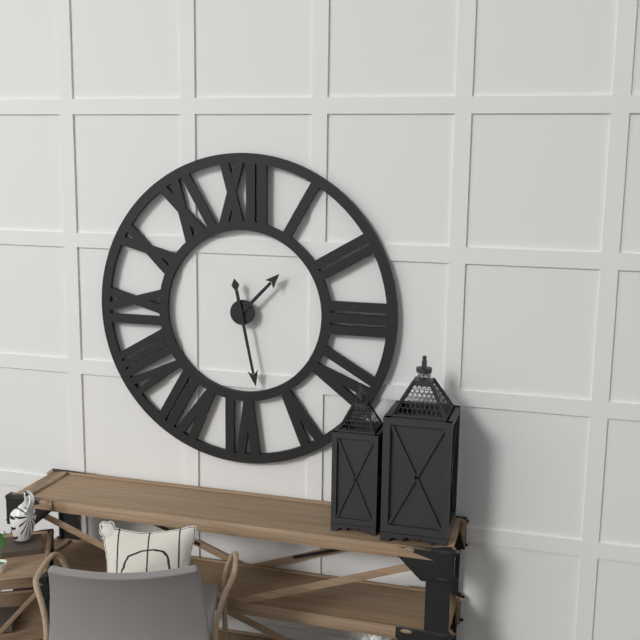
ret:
1,28
